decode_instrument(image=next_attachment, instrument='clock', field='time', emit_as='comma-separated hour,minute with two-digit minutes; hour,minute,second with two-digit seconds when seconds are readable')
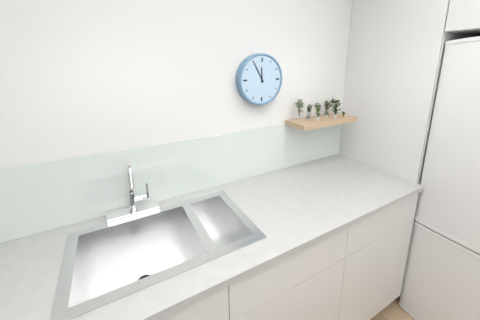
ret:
11,55
